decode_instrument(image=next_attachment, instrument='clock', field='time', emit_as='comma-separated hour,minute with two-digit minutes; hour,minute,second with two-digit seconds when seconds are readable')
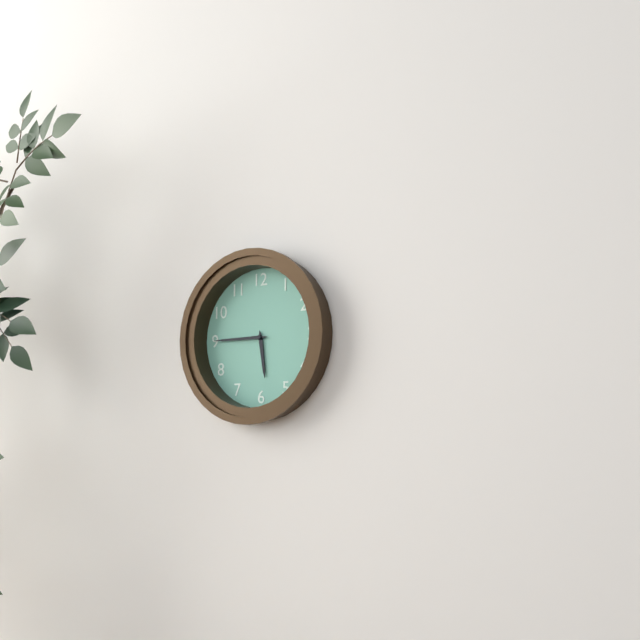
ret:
5,45
